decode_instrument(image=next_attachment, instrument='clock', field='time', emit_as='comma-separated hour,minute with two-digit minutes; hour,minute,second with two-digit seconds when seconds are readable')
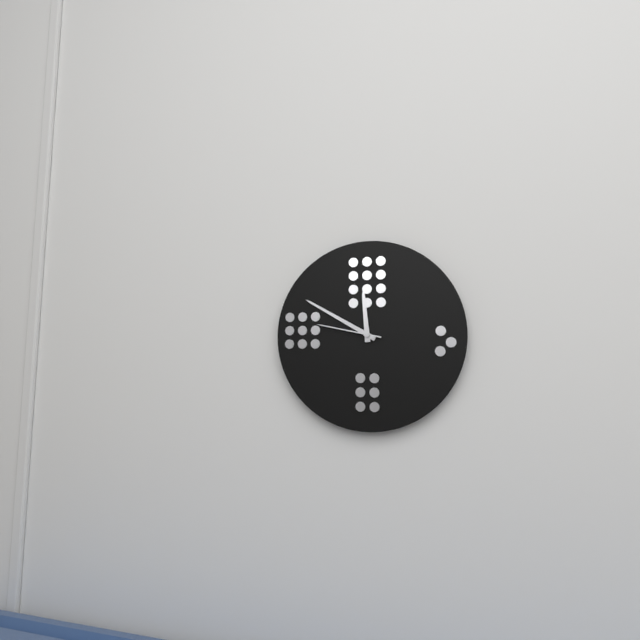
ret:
11,50,47
